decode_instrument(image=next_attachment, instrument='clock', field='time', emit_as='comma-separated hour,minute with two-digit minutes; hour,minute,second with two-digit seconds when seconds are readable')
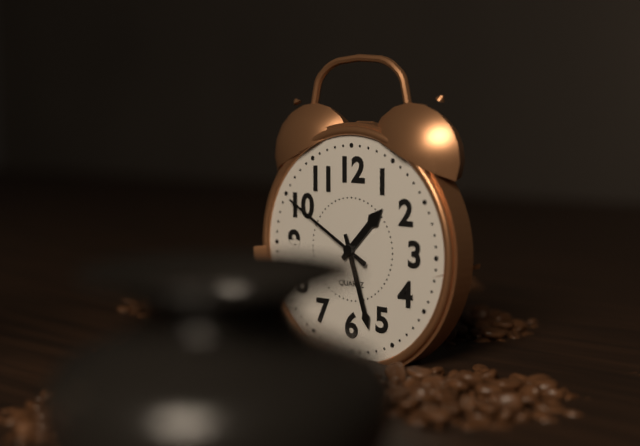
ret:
1,27,50
